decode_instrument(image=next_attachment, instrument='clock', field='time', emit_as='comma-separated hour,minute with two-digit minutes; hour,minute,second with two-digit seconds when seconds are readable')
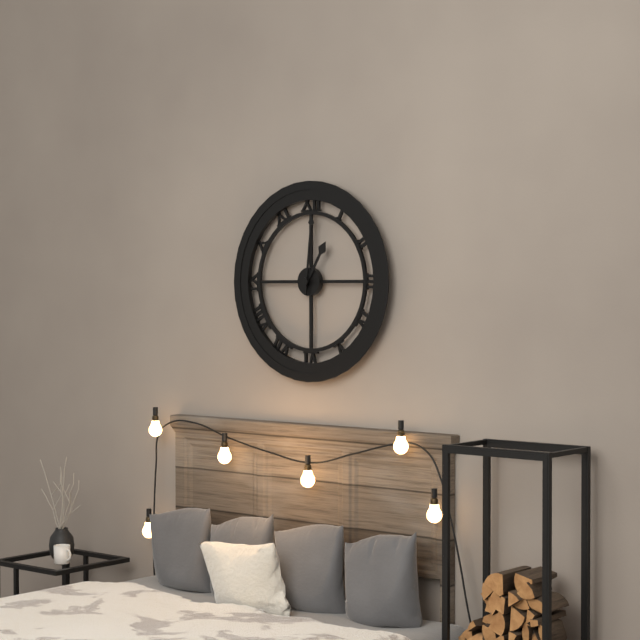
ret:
1,01
